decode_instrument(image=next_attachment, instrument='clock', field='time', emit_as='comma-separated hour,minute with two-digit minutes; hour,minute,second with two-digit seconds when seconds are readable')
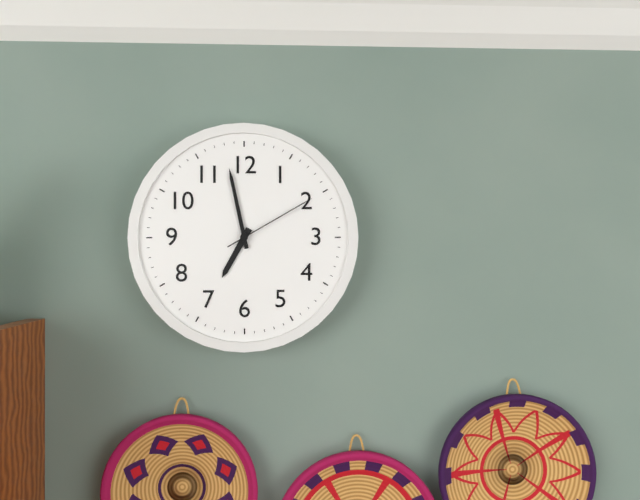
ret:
6,58,10
